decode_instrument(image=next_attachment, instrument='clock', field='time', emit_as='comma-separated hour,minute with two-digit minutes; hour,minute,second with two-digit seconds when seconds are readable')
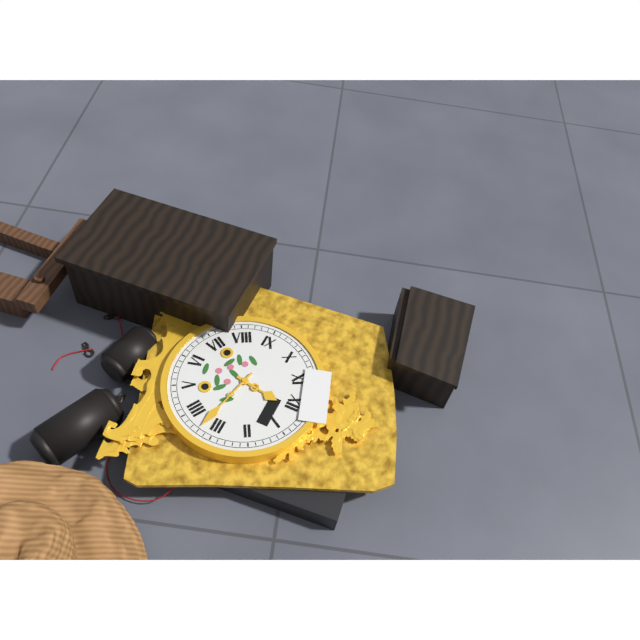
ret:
12,17
